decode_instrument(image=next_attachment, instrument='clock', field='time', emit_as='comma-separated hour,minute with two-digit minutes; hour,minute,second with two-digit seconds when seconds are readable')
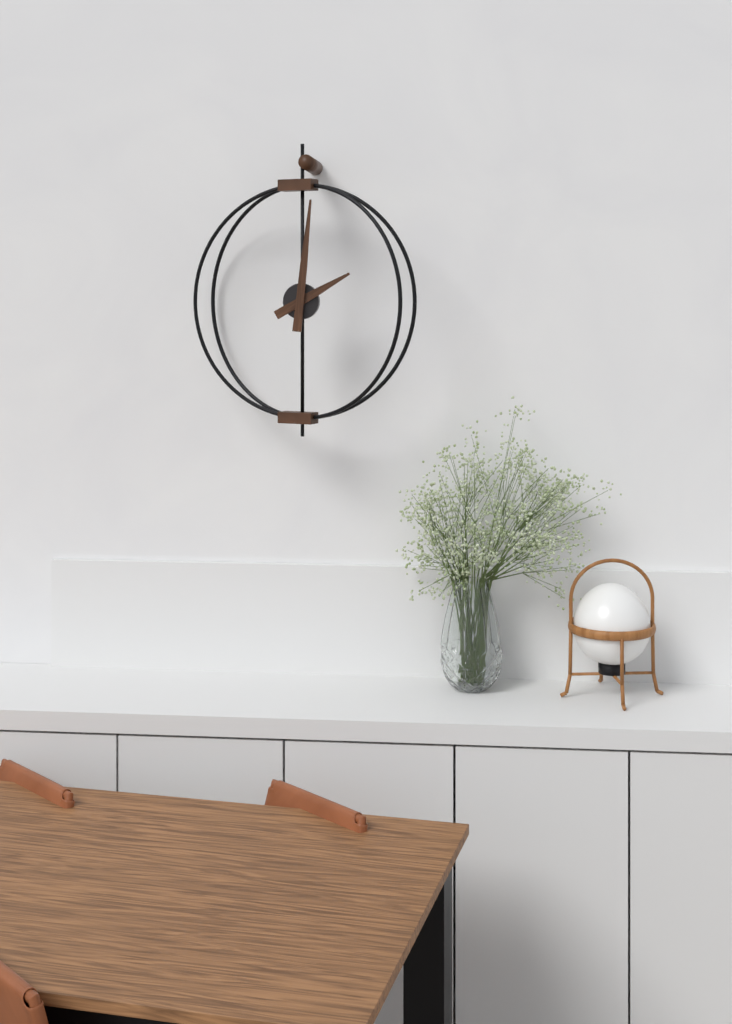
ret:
2,01
